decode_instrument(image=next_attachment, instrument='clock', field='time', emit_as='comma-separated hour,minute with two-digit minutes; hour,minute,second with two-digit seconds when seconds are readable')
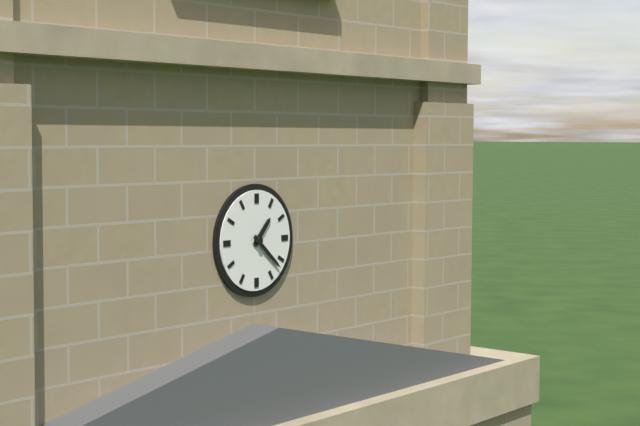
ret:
1,22
